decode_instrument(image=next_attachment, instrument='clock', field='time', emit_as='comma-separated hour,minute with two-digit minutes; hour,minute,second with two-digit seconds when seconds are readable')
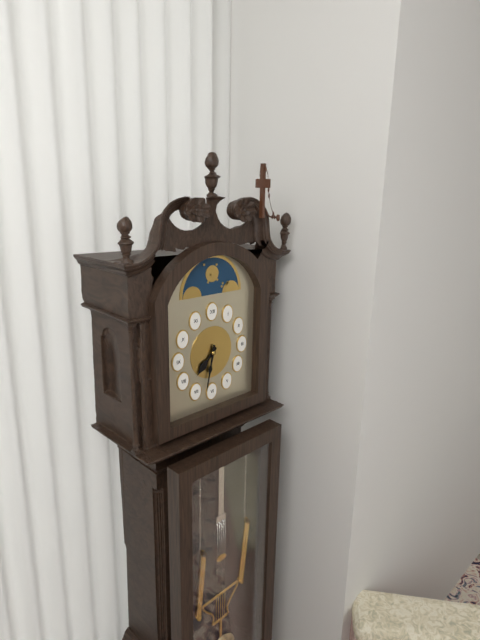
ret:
7,32
